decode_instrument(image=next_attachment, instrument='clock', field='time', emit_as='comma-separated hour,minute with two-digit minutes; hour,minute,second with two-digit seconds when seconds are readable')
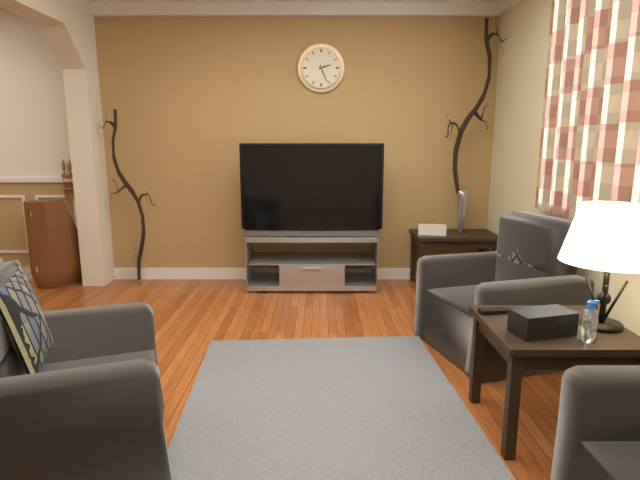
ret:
2,26
